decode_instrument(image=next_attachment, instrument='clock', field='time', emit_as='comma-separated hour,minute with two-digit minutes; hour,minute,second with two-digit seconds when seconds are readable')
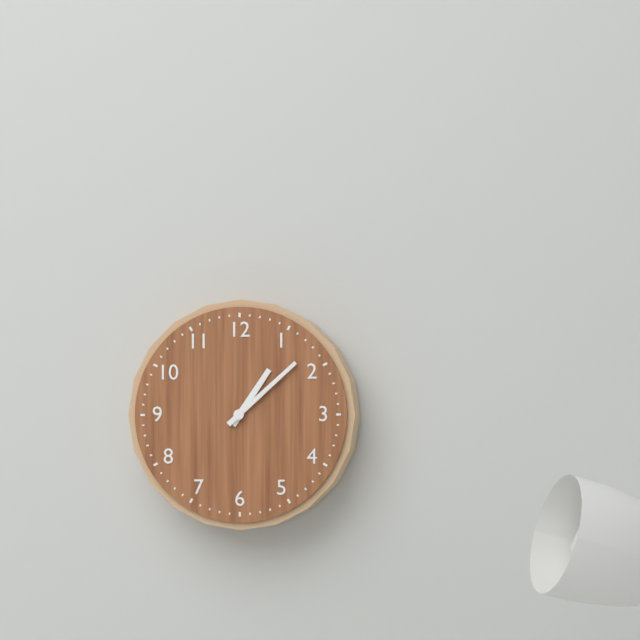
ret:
1,08
